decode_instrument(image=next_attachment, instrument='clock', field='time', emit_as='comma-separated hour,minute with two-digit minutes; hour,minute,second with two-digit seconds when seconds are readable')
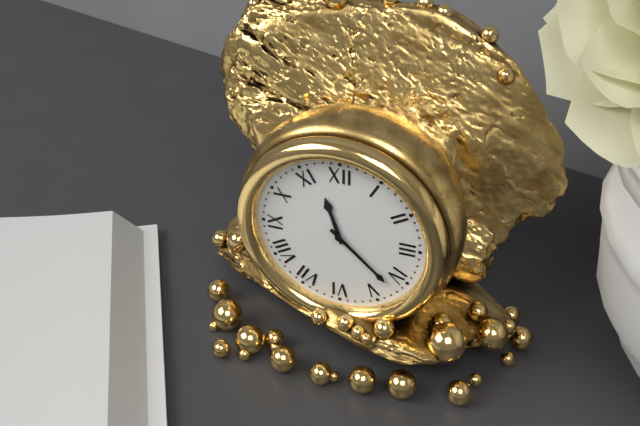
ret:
11,22
